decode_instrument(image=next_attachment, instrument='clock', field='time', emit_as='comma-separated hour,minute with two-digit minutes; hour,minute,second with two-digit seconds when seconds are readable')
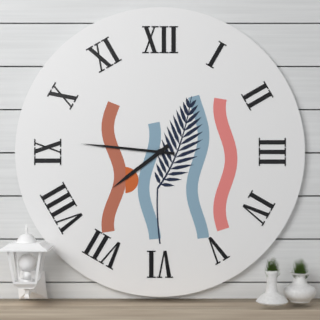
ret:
7,46
